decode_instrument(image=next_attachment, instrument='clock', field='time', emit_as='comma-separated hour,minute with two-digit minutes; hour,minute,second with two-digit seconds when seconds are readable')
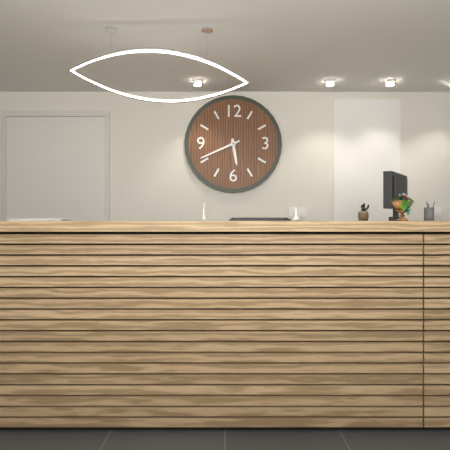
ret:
5,41
